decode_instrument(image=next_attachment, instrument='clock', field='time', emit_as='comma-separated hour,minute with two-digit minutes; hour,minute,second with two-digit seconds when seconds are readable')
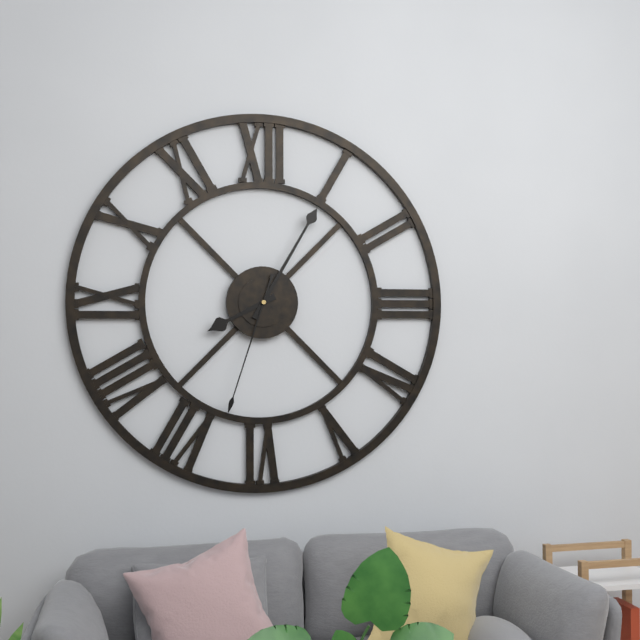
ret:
8,05,33
